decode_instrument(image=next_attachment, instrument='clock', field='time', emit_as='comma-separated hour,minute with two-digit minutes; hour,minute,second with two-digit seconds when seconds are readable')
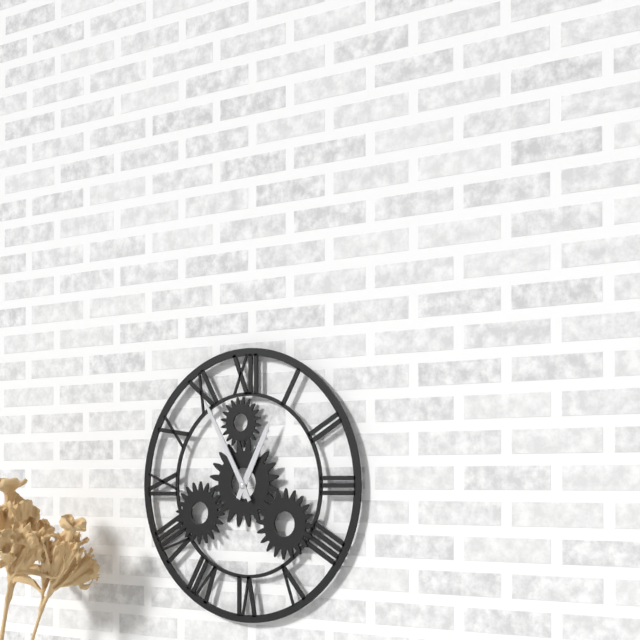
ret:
12,55
